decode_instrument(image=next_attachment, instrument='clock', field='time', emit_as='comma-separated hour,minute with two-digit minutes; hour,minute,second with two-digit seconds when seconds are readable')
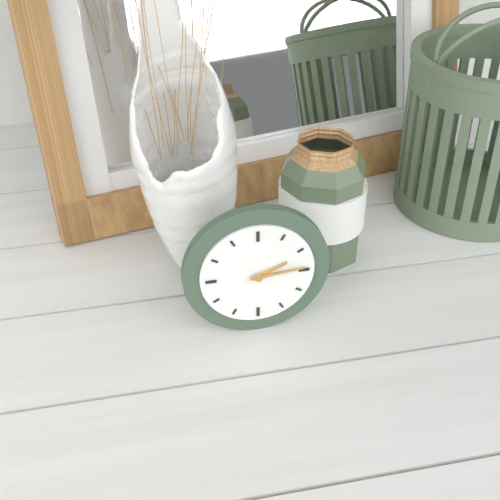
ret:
2,14
